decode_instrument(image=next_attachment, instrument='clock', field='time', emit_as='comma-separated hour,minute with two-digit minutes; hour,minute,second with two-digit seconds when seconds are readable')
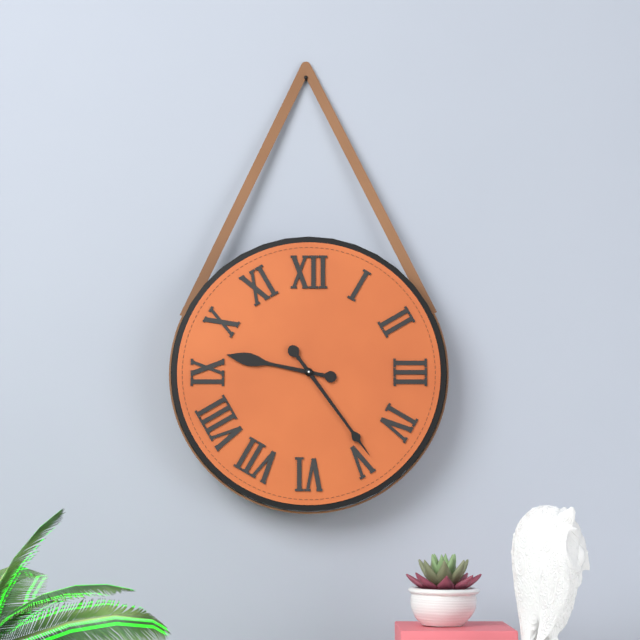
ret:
9,24
